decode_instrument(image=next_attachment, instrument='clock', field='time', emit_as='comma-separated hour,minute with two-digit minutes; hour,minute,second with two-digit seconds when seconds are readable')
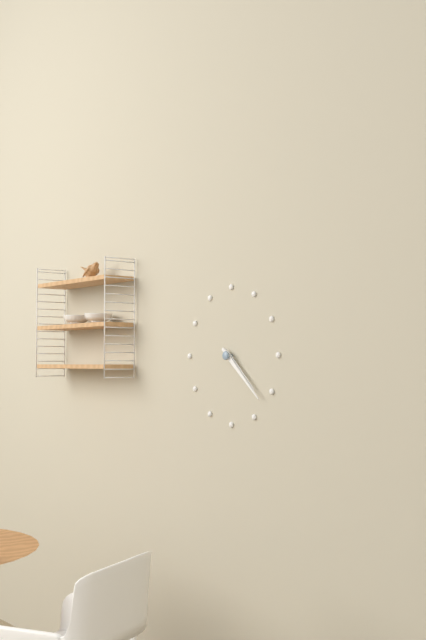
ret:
4,22
